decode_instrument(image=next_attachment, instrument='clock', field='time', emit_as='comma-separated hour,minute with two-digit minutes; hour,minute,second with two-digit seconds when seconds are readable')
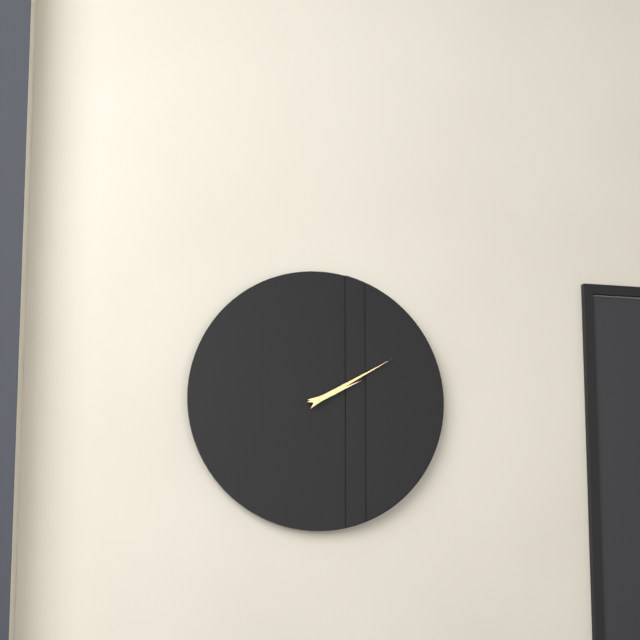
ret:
2,10
